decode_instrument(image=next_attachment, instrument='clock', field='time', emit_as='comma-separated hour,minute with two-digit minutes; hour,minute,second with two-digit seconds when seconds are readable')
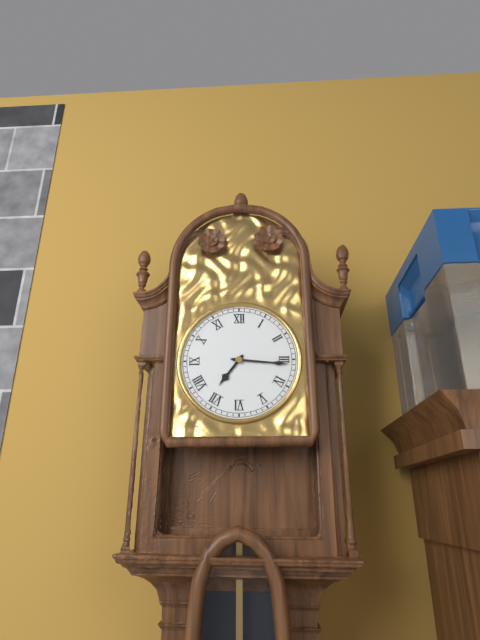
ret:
7,16
